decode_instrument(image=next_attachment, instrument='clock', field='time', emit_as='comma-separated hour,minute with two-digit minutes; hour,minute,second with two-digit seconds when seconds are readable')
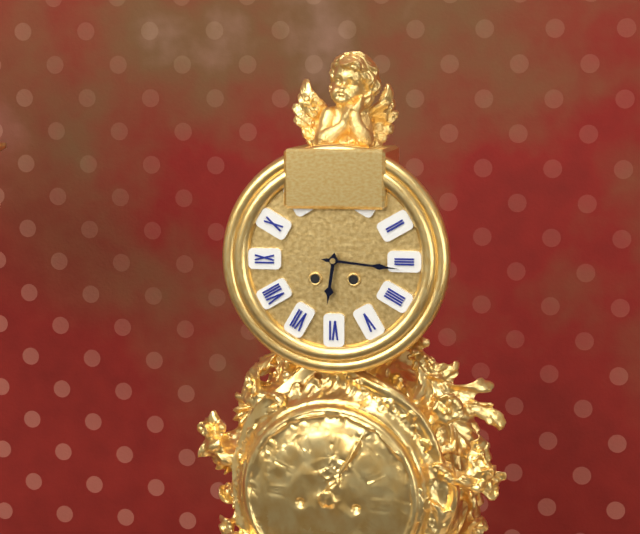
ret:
6,16
